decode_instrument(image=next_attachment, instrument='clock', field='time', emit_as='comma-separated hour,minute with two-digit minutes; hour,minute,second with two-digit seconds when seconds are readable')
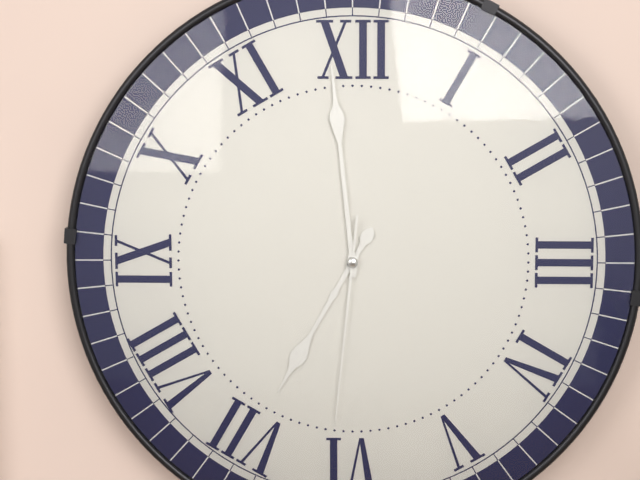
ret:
6,59,31
